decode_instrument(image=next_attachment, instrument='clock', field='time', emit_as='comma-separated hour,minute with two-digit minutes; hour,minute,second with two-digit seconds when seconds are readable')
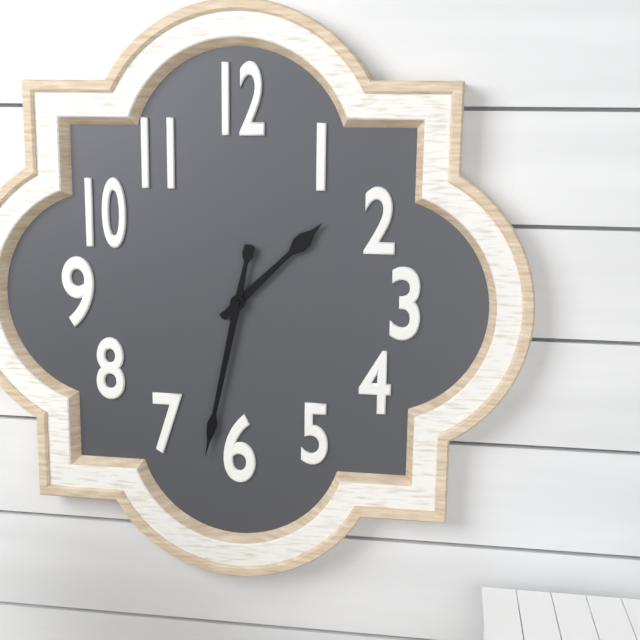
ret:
1,32
